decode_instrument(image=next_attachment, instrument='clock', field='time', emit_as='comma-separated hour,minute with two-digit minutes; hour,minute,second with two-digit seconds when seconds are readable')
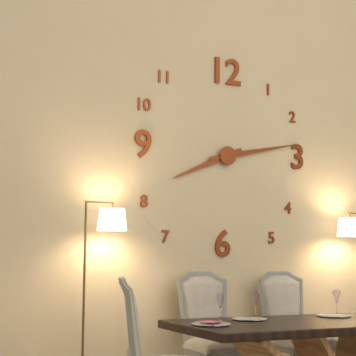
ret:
8,13
